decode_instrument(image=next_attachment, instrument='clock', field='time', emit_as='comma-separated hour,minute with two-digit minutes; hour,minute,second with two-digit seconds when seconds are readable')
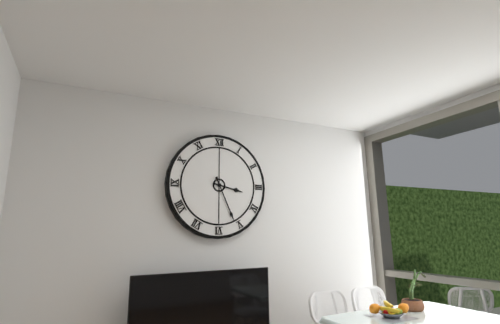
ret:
3,26
